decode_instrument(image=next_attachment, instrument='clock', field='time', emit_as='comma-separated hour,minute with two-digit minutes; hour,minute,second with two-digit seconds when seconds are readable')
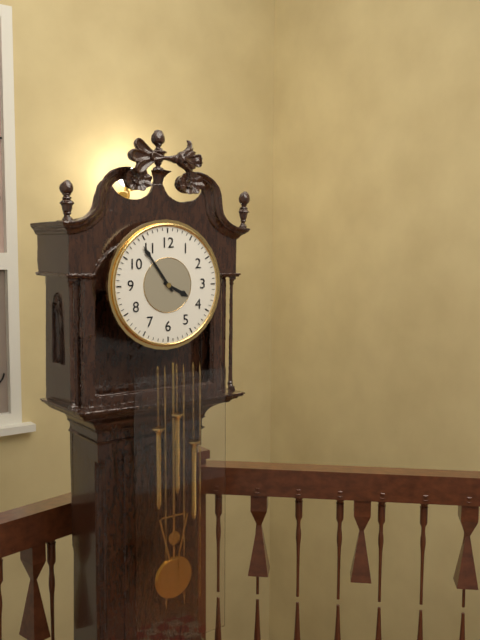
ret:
3,54
